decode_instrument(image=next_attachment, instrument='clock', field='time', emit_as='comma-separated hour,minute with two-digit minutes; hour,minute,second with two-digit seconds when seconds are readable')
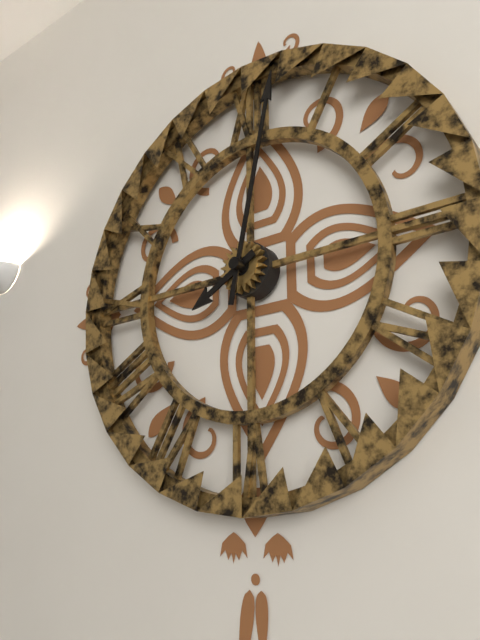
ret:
8,02
